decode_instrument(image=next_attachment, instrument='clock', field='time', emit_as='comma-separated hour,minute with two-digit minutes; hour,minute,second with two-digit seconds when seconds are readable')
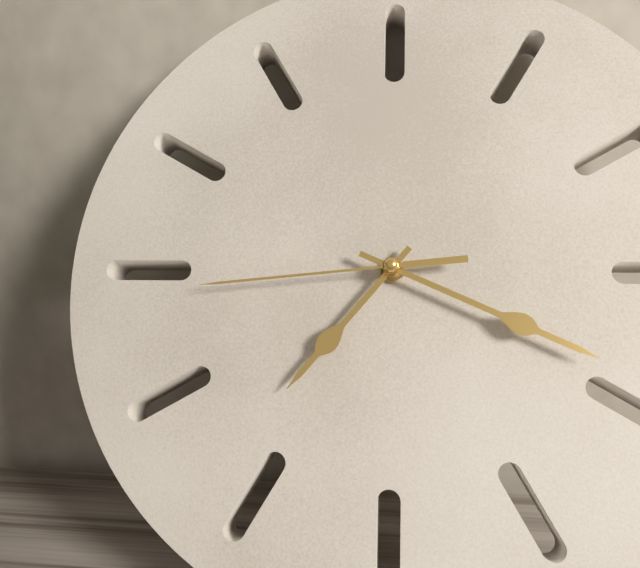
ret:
7,19,44
